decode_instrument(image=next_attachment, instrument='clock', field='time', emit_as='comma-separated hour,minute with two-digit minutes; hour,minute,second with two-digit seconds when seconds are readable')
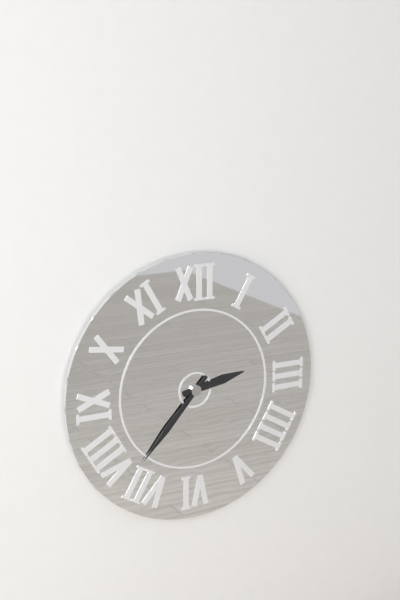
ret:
2,37
